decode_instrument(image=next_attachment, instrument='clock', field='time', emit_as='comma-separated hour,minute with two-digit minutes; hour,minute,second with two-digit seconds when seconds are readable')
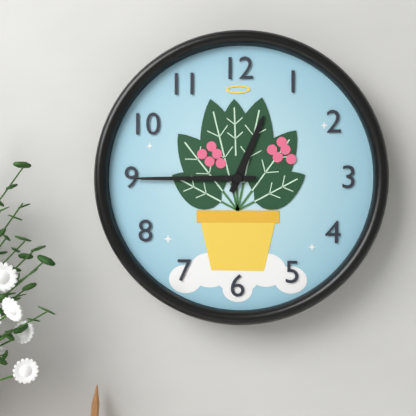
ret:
12,45
